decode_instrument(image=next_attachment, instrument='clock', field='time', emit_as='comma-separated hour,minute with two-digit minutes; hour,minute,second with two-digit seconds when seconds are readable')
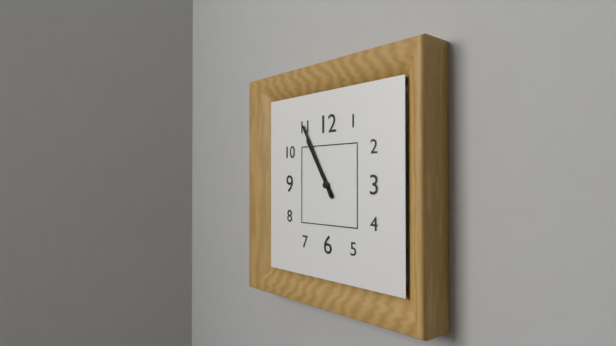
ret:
10,55
